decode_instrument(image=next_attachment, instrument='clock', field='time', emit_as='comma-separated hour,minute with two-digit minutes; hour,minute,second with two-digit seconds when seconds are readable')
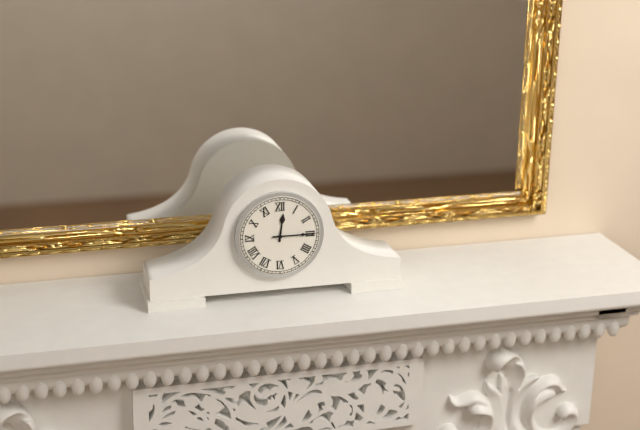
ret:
12,15
